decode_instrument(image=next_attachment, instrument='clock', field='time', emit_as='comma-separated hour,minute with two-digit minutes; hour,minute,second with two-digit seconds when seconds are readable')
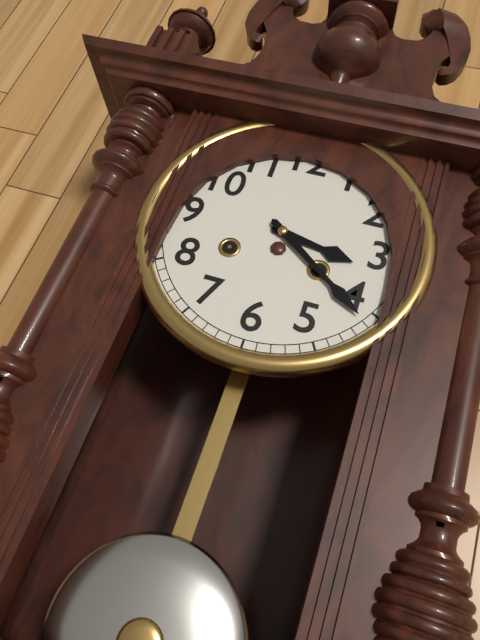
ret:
3,21
